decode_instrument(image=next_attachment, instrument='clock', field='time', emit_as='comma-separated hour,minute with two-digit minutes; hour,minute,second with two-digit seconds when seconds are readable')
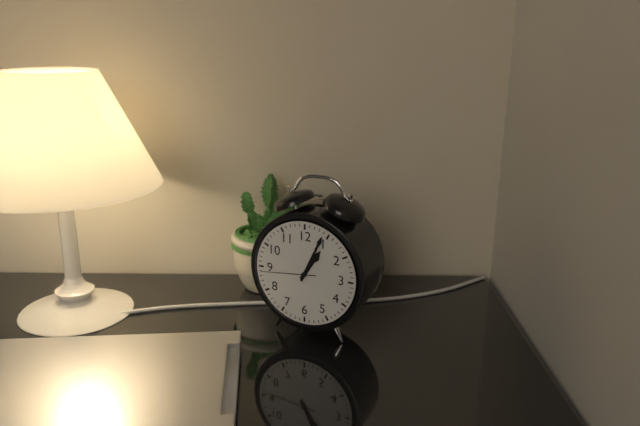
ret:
1,04,44
